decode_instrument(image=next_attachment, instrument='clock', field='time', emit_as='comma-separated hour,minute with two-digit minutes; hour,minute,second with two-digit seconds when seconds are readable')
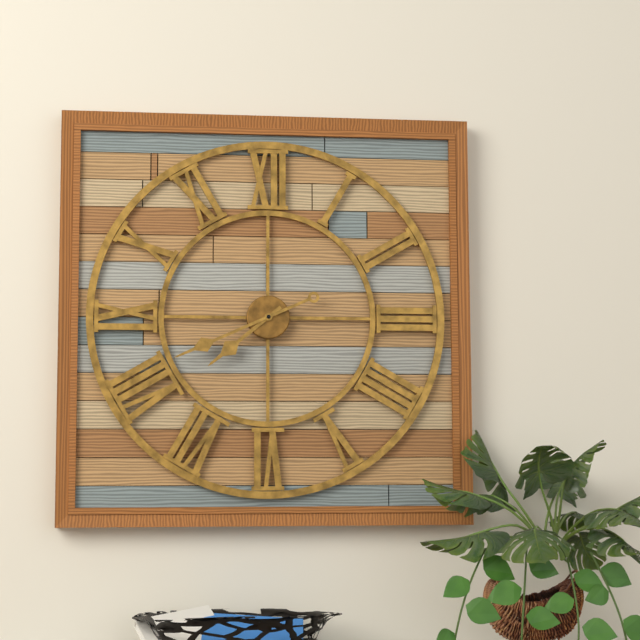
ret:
7,41
